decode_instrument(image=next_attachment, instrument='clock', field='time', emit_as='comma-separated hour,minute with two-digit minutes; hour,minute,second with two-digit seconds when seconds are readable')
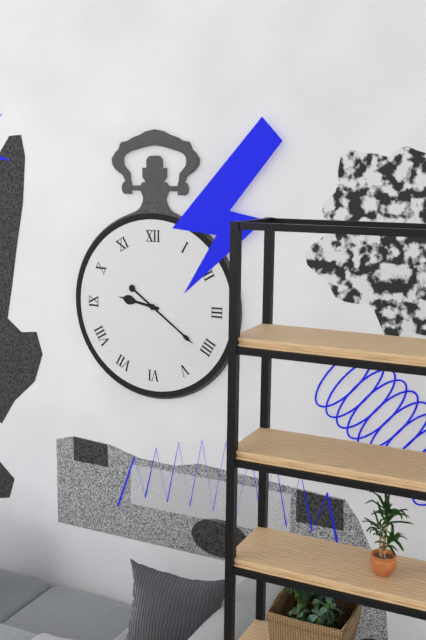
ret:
9,21
